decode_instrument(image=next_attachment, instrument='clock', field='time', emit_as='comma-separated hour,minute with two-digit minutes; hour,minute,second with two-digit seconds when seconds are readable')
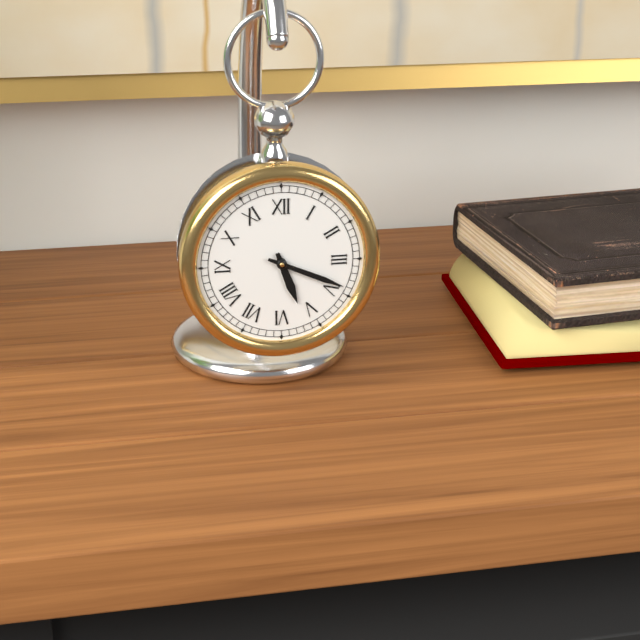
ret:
5,19
